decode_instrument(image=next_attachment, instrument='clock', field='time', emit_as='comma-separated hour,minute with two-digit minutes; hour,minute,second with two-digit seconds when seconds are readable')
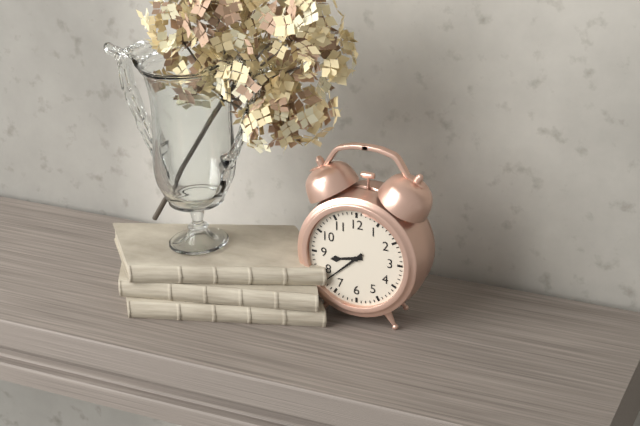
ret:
8,38
